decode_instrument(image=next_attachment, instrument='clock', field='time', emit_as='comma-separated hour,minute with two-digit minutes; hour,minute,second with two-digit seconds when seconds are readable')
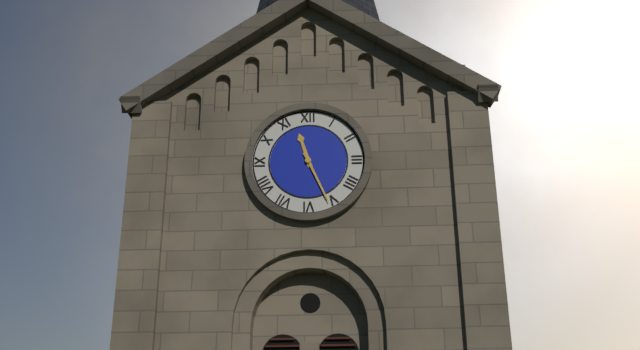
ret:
11,26
